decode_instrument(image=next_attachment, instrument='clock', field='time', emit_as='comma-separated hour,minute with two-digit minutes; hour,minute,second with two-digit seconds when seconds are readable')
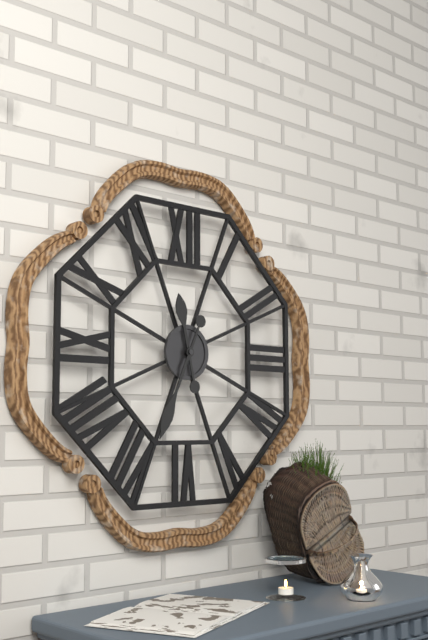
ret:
11,34
